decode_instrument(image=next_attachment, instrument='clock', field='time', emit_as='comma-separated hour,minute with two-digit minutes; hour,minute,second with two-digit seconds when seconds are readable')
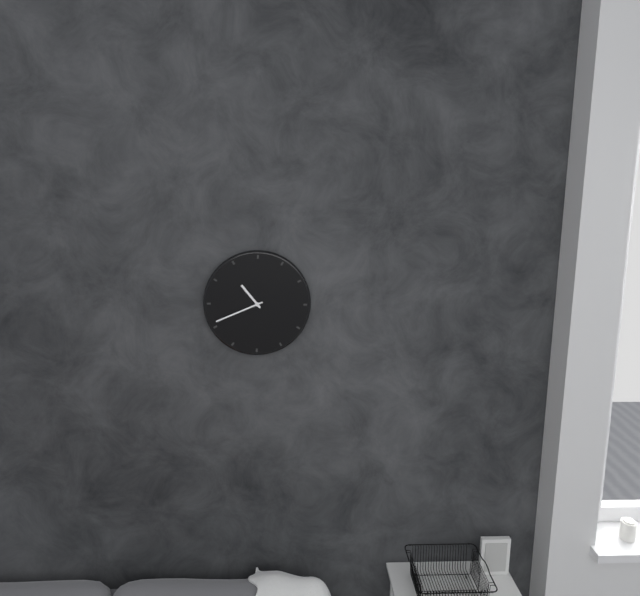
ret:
10,41
